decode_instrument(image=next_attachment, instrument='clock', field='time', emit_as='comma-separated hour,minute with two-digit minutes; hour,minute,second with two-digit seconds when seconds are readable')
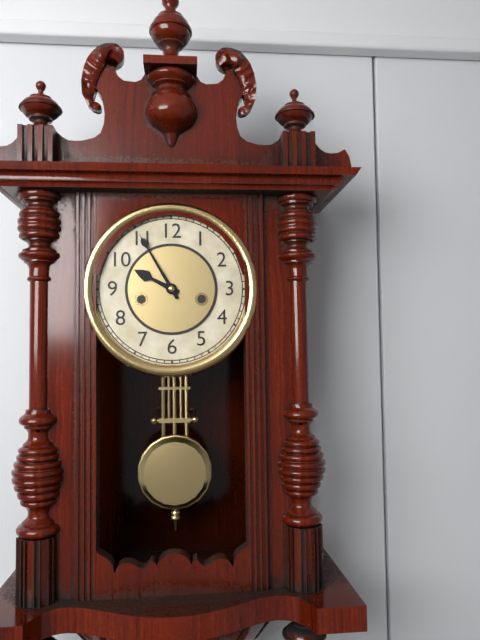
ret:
9,55
